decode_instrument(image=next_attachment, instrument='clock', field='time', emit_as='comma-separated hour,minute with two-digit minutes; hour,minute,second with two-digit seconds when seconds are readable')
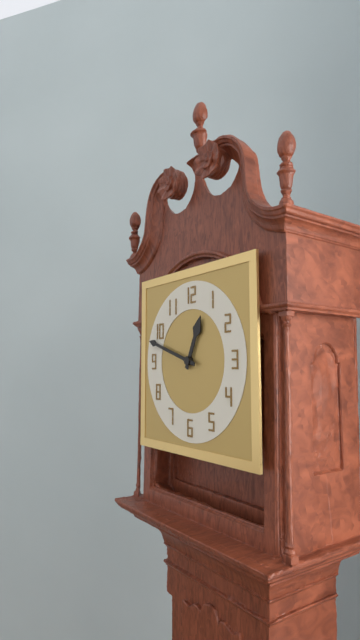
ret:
12,48
